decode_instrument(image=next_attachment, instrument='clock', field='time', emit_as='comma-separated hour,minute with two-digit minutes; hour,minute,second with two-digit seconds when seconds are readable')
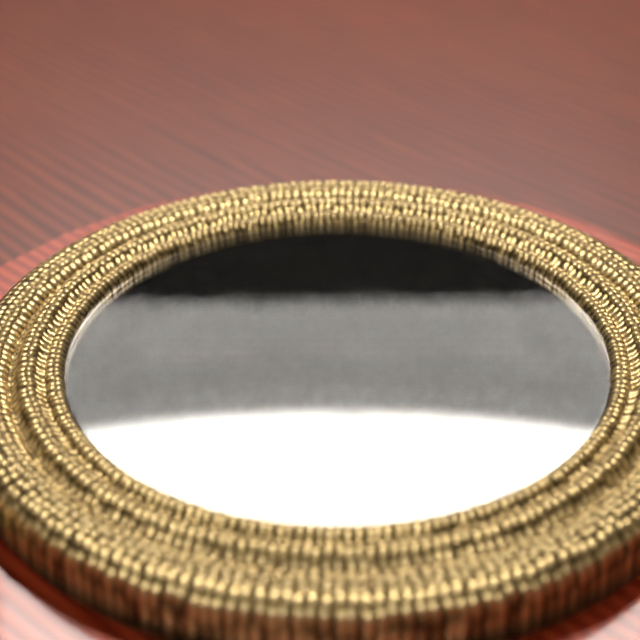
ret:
2,47,15
